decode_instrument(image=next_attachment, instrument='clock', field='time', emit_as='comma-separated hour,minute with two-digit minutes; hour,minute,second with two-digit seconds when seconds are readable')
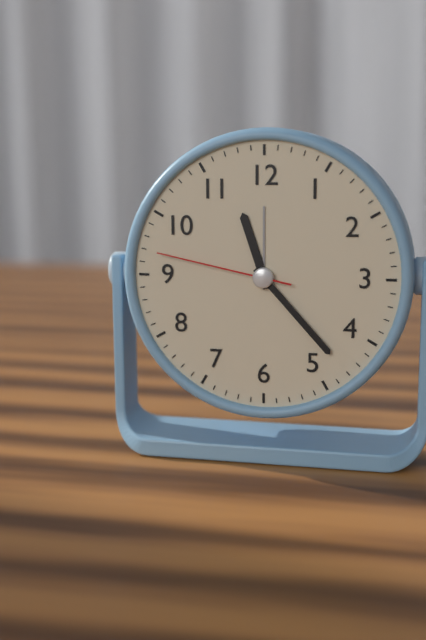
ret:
11,23,47
